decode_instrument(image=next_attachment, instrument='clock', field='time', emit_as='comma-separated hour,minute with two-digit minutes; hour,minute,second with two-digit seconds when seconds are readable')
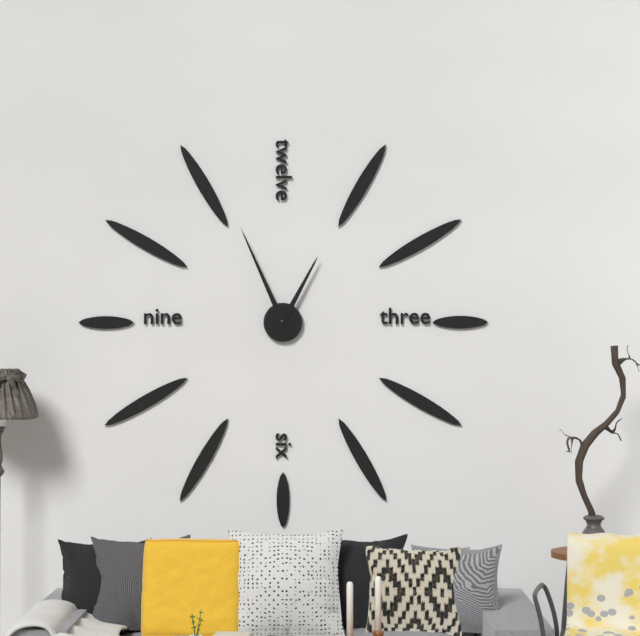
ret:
12,56
